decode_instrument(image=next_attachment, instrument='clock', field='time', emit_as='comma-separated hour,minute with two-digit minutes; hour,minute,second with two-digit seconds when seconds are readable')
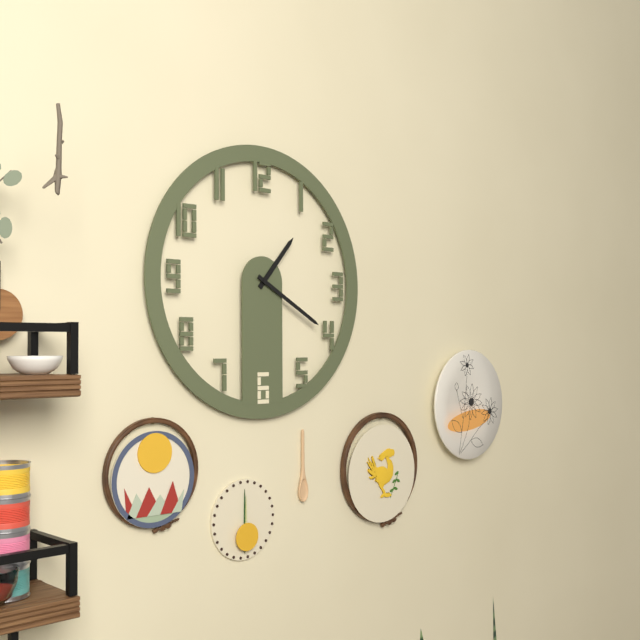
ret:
1,20
